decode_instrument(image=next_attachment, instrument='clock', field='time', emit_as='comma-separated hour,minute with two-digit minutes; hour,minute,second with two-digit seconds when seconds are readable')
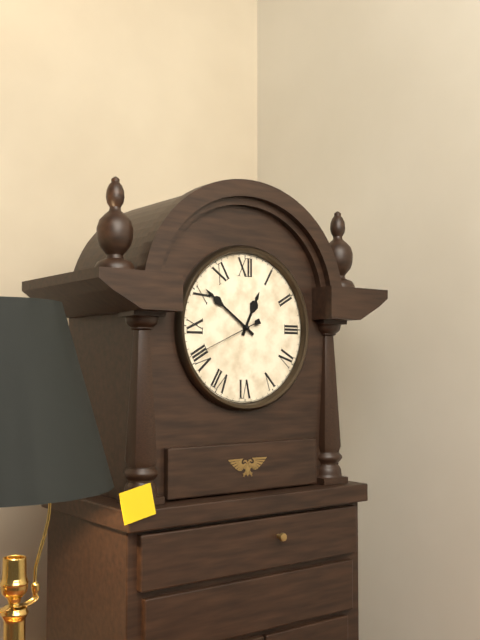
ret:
12,51,41
